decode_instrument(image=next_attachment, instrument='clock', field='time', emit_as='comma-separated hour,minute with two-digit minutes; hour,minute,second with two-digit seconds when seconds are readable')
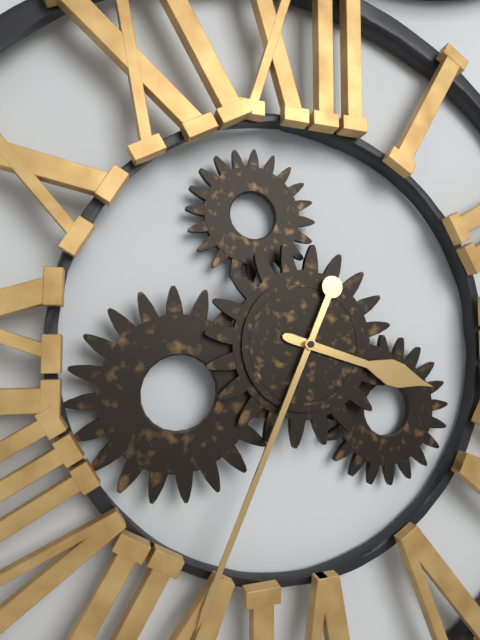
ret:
3,34
